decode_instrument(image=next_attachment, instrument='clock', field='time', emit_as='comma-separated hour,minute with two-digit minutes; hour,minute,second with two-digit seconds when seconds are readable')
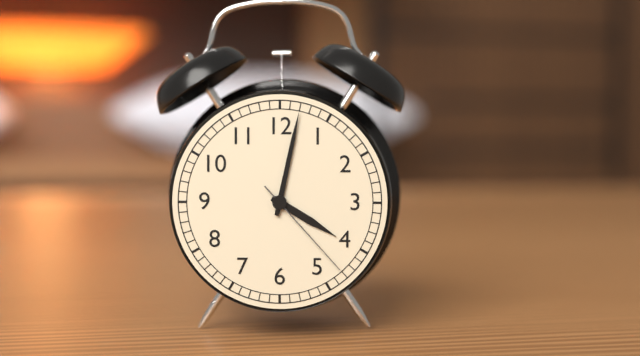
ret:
4,02,23
